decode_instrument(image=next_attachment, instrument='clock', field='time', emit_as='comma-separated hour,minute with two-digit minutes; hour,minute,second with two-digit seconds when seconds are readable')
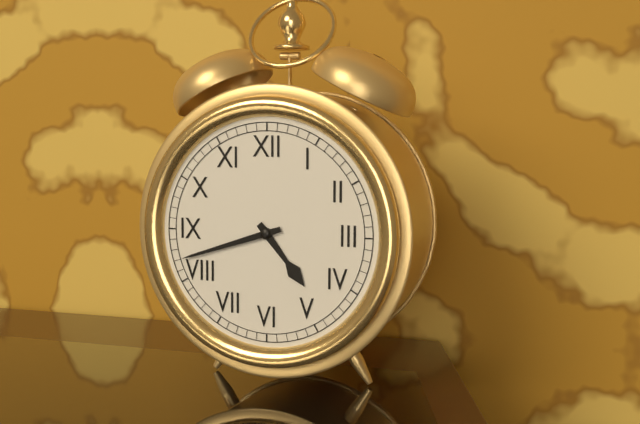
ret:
4,42
